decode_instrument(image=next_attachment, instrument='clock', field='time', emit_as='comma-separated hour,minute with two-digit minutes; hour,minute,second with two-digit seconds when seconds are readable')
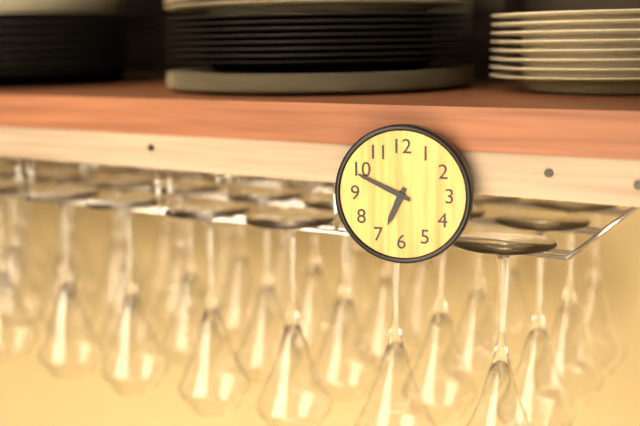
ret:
6,49
